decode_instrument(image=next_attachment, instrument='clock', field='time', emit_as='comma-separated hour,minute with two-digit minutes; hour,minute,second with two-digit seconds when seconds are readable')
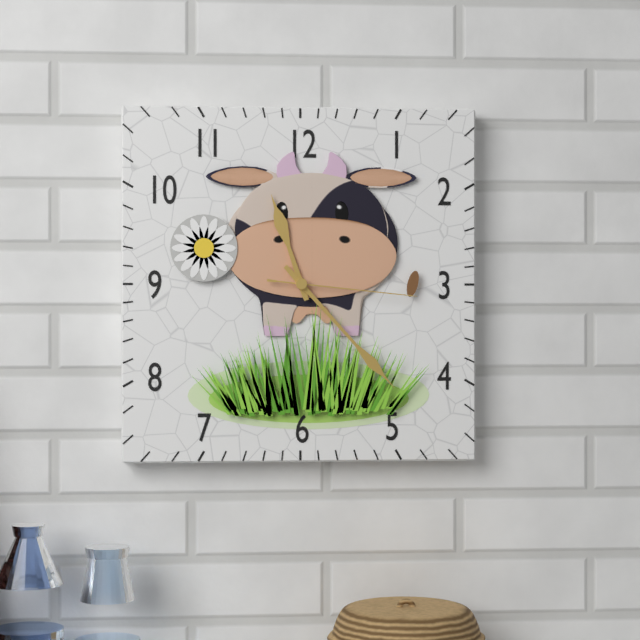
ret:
11,23,16
